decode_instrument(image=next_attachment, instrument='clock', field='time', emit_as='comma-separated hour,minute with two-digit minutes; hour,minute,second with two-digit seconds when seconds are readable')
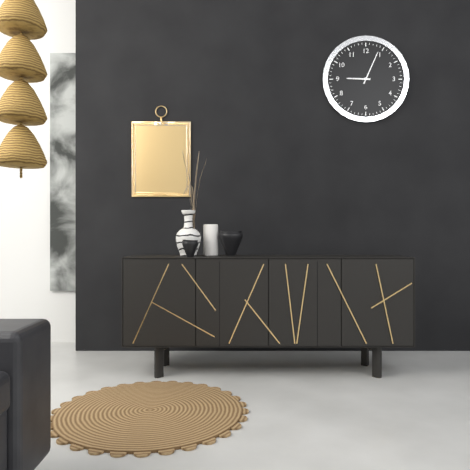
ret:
9,04
